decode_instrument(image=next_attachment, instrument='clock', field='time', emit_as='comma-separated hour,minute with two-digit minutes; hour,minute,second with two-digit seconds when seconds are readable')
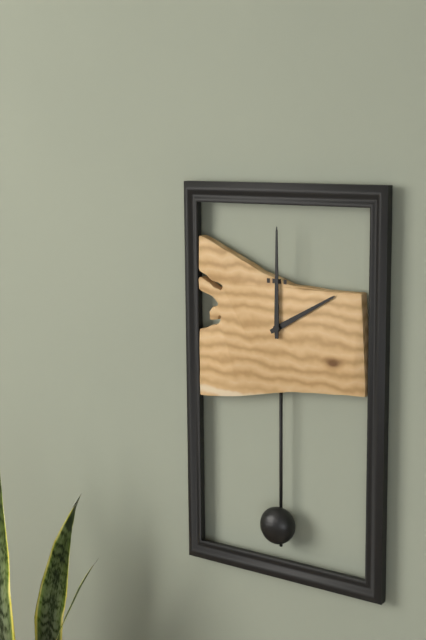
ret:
2,00
